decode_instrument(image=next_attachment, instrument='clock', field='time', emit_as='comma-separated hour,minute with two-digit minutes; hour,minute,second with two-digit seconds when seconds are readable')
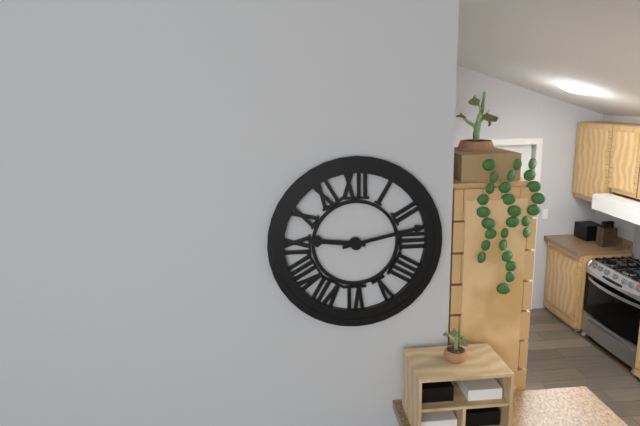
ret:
9,13
